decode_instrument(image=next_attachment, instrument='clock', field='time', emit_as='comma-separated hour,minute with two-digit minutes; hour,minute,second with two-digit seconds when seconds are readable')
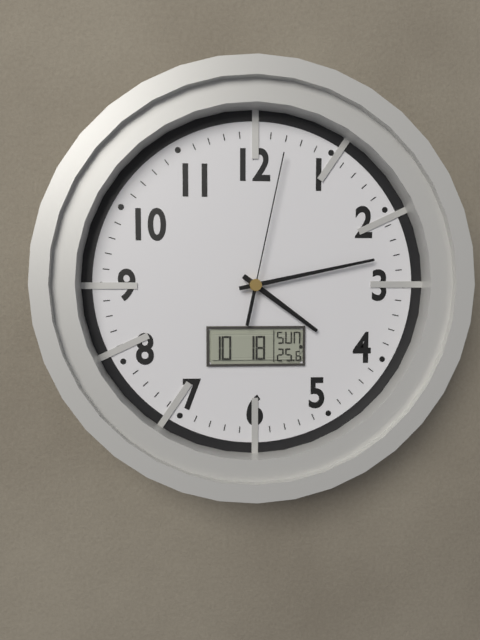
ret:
4,13,02
